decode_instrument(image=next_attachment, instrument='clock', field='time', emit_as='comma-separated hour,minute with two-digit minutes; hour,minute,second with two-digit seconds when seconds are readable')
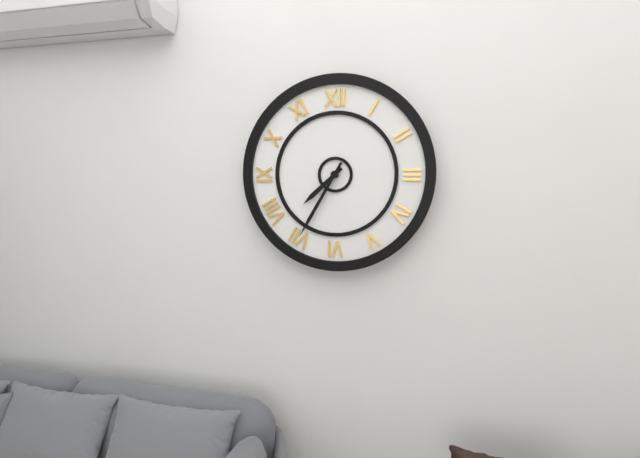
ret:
7,35
